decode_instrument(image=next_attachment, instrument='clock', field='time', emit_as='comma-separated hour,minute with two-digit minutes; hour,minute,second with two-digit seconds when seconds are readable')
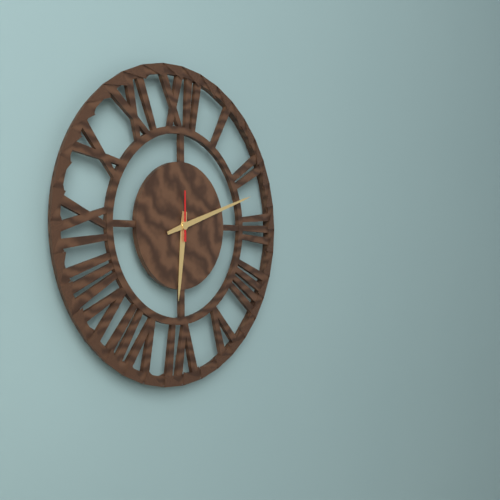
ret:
6,12
